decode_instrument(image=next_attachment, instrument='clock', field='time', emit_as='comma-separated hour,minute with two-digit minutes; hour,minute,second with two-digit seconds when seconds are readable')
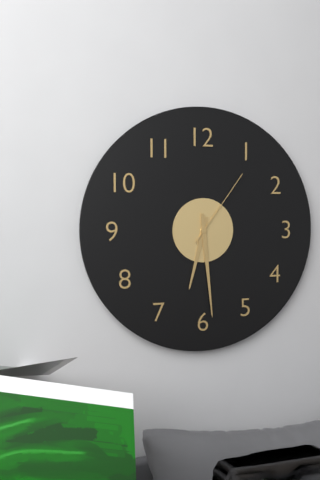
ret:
6,29,06
